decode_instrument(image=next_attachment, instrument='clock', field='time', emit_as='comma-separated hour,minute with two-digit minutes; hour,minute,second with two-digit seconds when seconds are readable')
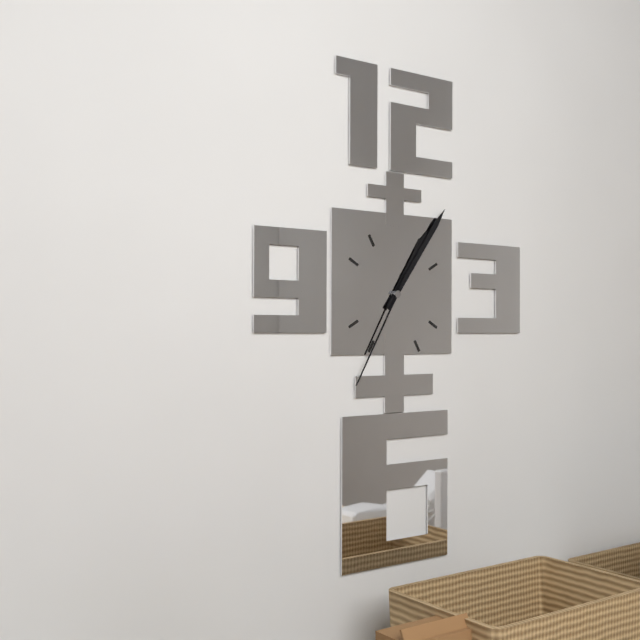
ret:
1,06,35
